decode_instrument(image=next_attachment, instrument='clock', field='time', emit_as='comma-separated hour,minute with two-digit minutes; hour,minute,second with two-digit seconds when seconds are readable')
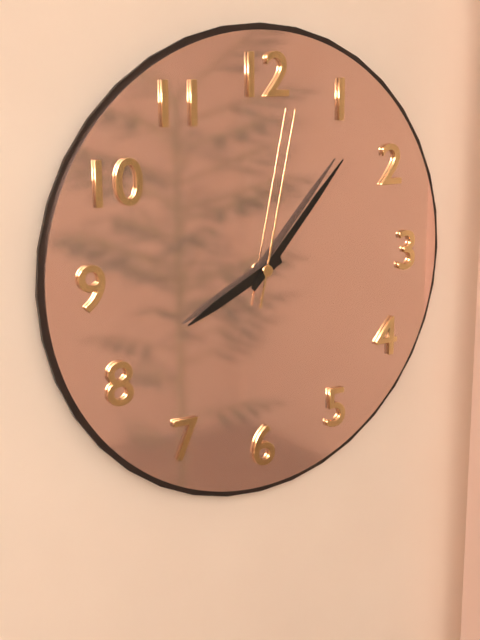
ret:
8,07,02
